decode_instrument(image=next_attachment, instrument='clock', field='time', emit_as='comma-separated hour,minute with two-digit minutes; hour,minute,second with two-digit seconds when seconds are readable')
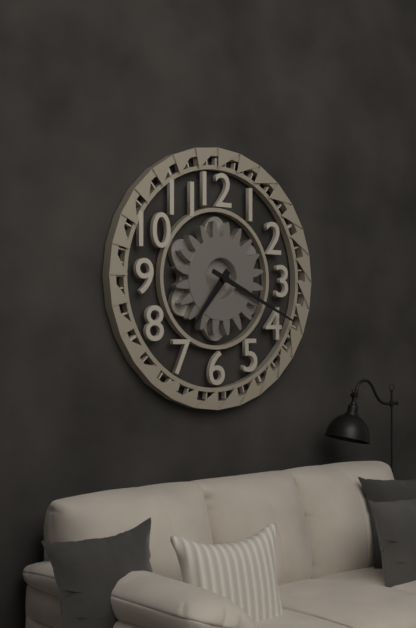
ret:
7,19
